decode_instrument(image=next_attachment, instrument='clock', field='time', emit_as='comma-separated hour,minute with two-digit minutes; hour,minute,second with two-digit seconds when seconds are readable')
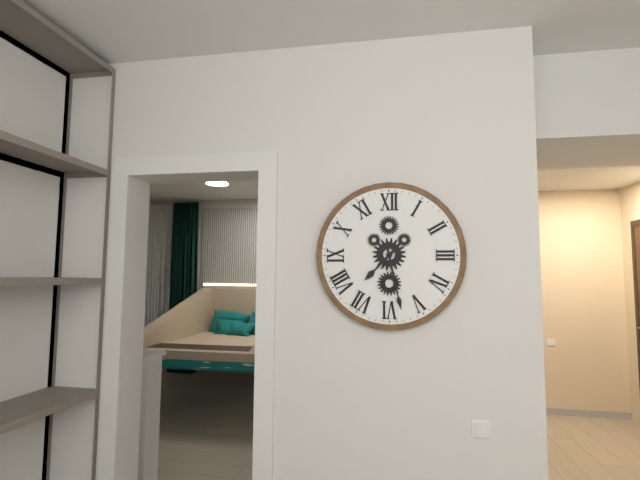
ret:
7,28
